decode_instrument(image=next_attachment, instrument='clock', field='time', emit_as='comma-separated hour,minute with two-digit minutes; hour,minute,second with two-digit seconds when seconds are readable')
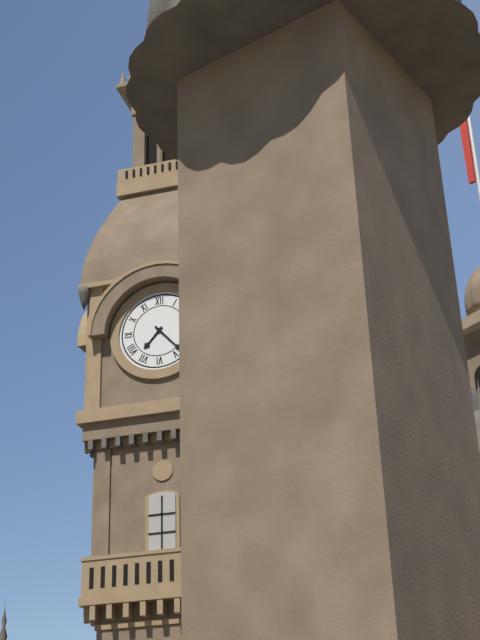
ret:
7,23
